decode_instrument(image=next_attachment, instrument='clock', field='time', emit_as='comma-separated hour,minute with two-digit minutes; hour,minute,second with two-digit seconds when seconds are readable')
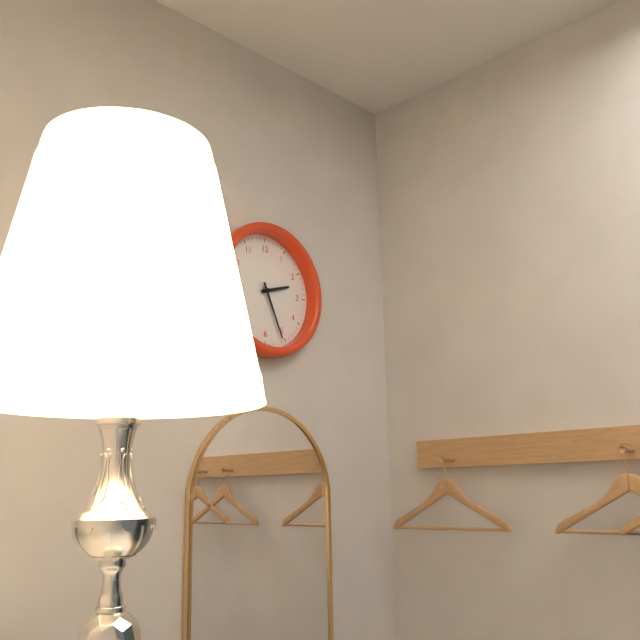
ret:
2,26
